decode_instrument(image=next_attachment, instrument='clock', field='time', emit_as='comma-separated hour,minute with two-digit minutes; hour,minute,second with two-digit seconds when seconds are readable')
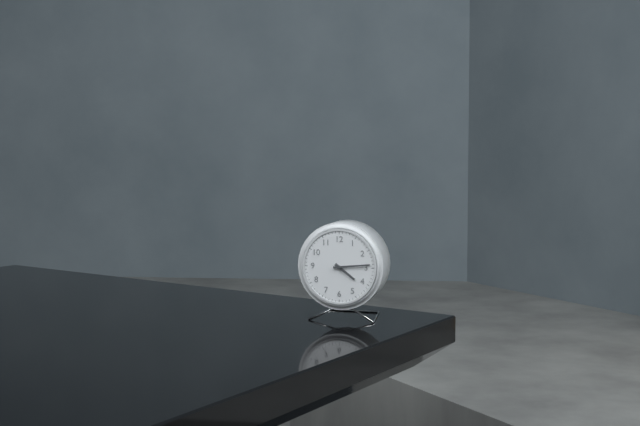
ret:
4,14
